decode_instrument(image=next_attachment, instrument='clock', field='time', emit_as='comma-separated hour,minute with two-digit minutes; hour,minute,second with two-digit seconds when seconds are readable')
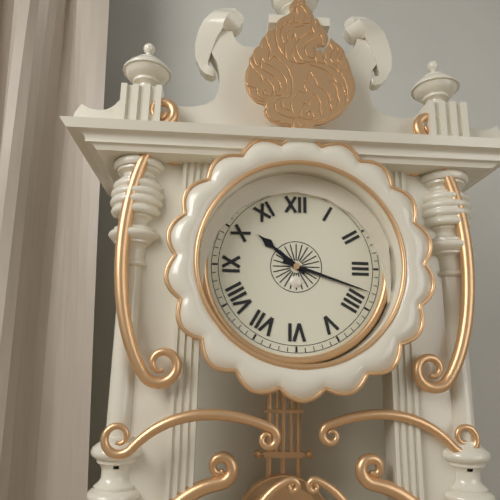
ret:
10,18
